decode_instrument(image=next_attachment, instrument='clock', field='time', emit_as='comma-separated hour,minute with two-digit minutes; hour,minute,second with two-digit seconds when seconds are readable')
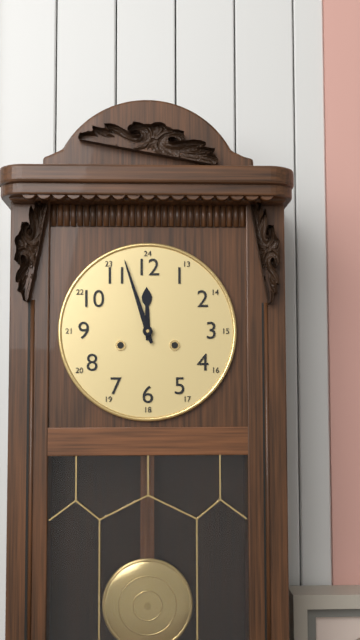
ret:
11,57
